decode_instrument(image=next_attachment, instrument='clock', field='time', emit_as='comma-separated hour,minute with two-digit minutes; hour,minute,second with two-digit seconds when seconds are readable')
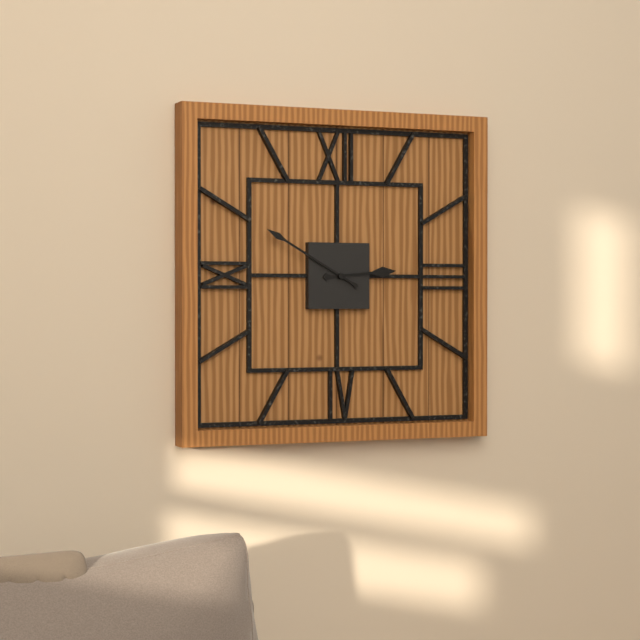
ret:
2,50
